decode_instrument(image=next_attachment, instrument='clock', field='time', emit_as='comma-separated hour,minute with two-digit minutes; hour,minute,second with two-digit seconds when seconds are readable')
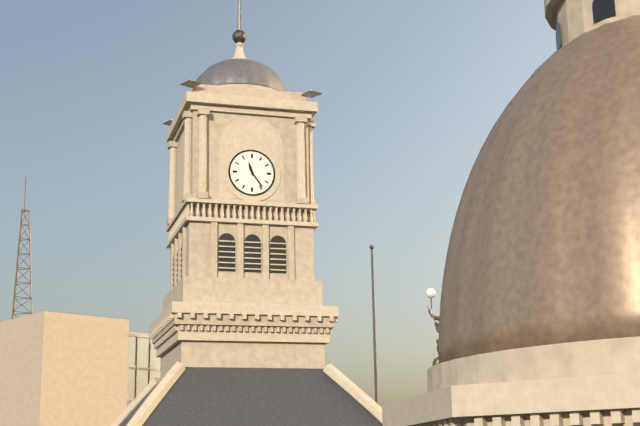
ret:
11,24
